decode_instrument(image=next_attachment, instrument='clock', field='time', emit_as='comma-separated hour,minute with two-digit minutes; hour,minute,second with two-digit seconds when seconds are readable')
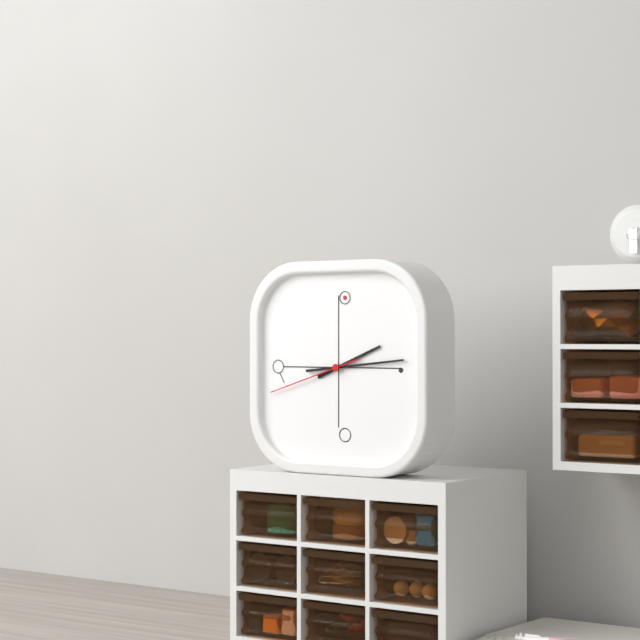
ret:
2,14,42
